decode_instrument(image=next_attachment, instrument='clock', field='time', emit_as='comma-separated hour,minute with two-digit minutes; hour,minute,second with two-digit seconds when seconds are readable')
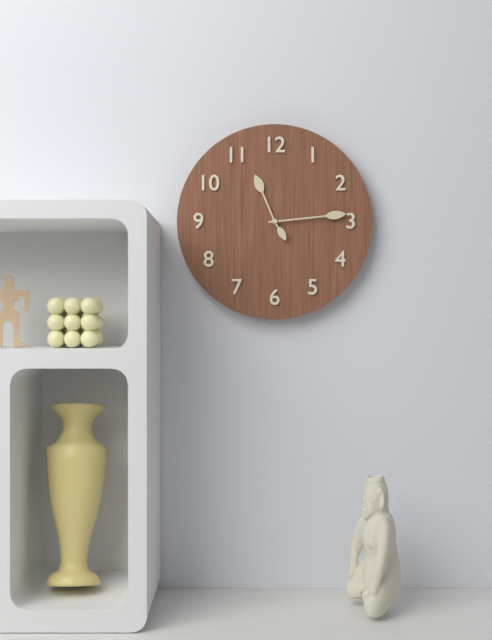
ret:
11,14
